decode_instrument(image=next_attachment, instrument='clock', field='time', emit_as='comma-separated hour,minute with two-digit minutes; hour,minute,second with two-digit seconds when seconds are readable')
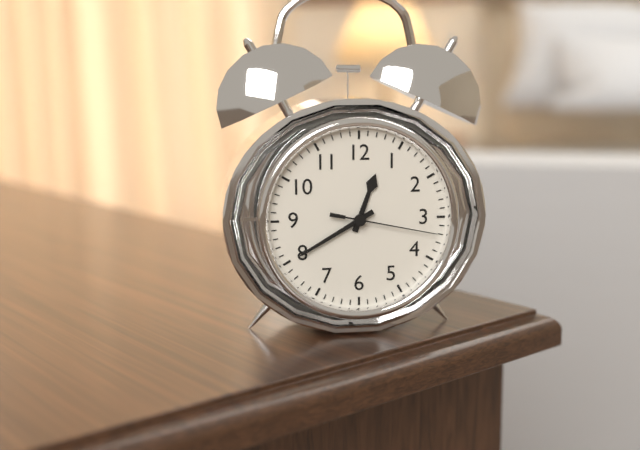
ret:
12,40,17
